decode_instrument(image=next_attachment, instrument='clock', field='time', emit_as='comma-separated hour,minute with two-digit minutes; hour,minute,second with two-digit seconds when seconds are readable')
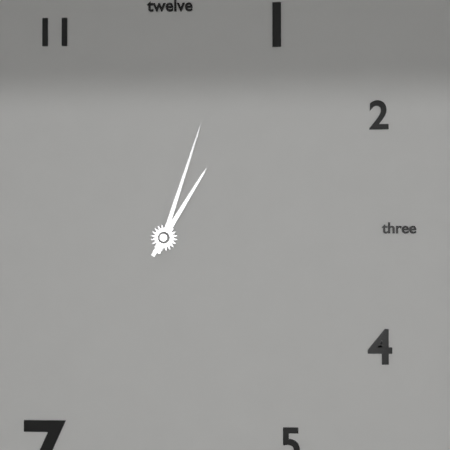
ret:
1,03
